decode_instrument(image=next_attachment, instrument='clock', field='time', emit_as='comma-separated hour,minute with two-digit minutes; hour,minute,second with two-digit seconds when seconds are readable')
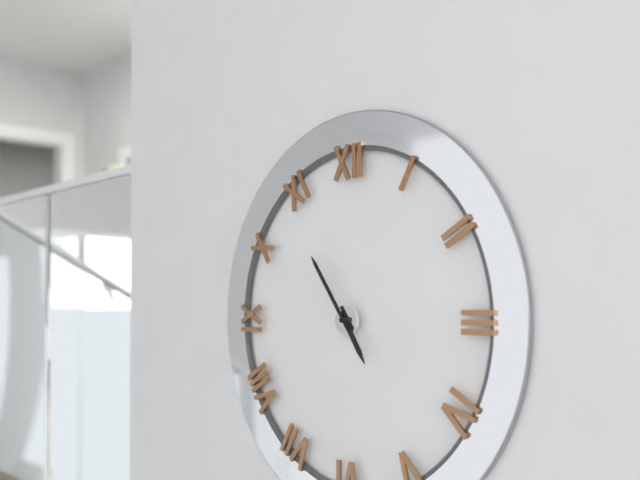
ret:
4,54
